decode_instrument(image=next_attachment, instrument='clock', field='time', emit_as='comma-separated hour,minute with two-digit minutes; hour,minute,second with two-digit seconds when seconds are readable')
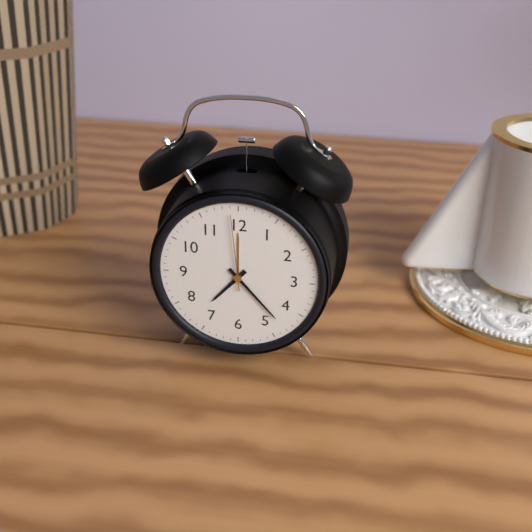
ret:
7,23,59
